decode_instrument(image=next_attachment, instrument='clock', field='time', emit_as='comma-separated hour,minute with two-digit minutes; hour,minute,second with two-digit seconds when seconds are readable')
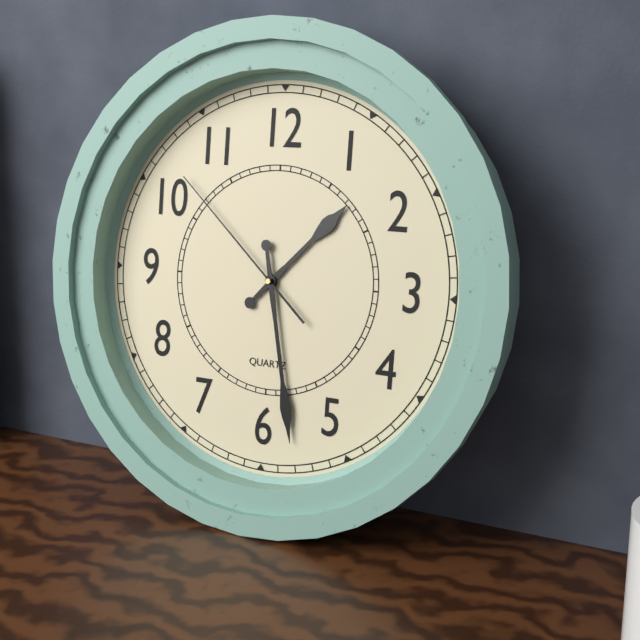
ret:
1,28,52
